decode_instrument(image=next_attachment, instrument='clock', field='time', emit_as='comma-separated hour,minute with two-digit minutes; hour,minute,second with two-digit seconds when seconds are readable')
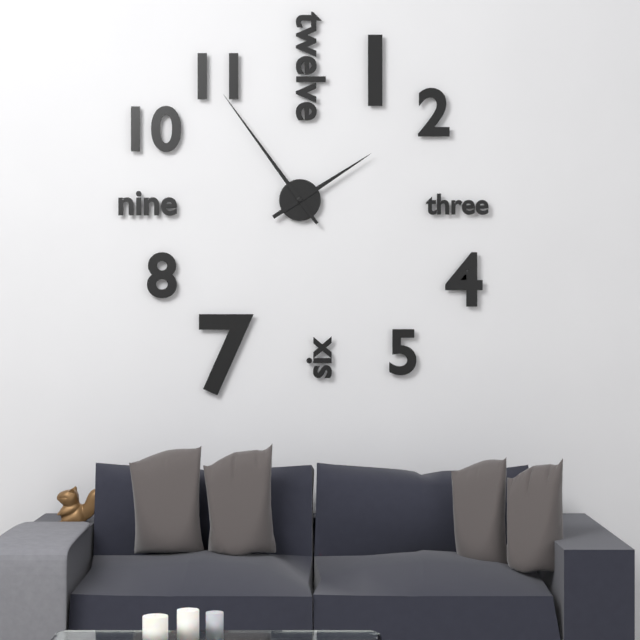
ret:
1,54
